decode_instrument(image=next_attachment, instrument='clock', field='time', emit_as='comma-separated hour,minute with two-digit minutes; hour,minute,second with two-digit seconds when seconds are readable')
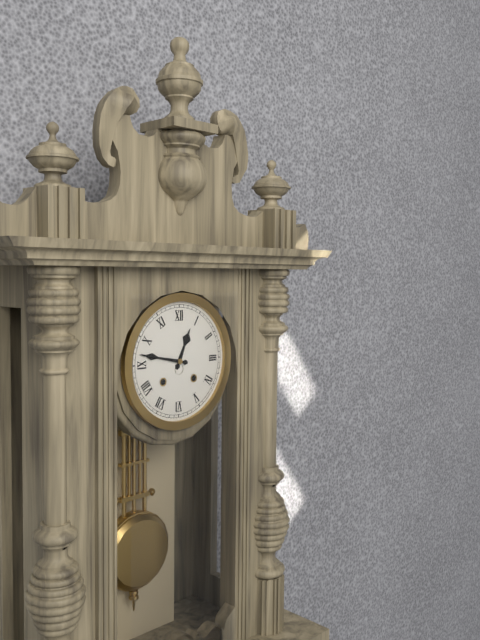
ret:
12,47
